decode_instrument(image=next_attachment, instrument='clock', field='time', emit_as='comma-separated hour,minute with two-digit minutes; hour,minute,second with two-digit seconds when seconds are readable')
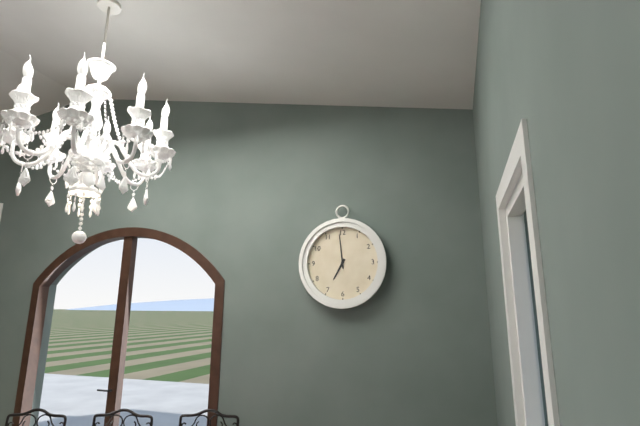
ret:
6,59
